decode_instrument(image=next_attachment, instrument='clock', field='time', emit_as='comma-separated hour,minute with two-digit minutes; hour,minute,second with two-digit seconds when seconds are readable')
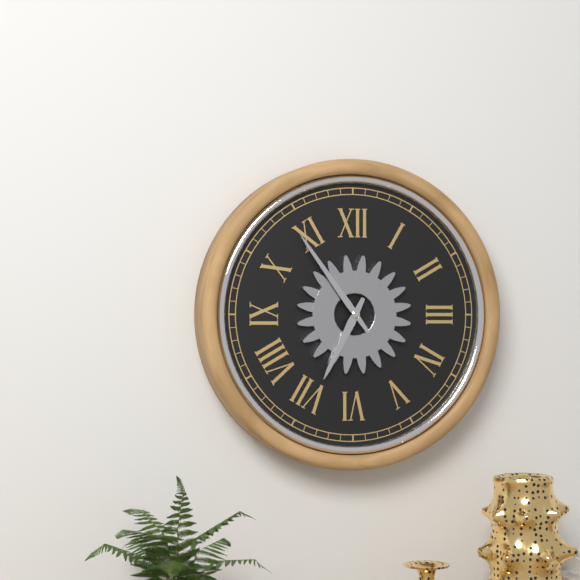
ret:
6,54
